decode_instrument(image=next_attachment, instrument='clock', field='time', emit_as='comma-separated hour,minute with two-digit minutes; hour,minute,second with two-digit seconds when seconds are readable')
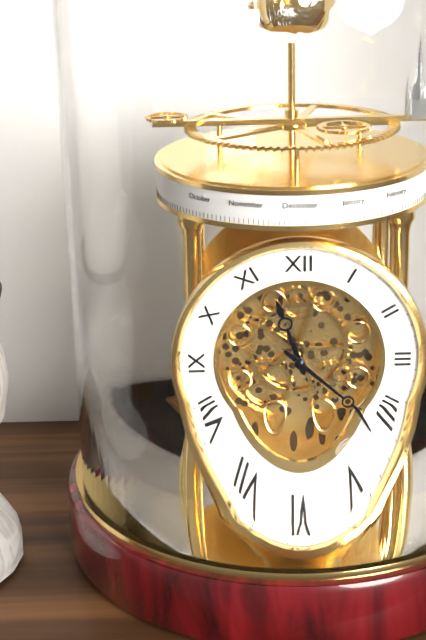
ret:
11,22
